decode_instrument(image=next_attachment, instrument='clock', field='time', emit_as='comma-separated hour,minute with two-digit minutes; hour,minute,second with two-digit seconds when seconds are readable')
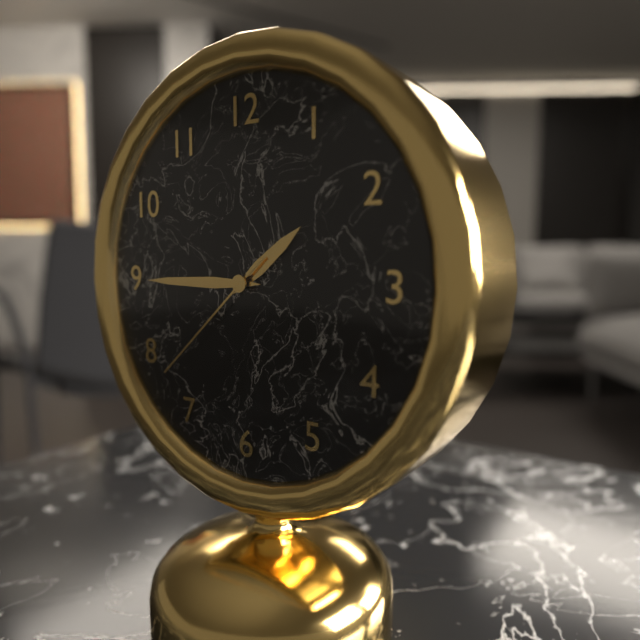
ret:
1,45,38
